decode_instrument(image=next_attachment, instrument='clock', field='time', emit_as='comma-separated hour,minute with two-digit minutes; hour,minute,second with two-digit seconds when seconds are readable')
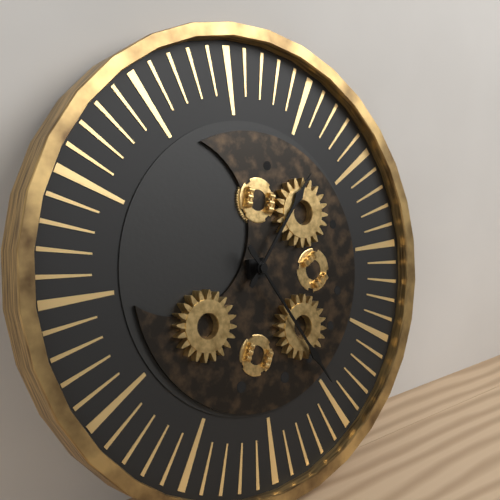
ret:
1,25
